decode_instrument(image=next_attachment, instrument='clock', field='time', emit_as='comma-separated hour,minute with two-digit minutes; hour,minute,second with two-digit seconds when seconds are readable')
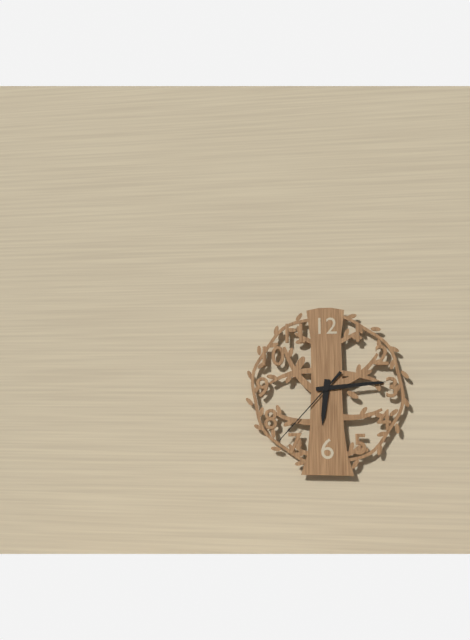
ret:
6,14,37
